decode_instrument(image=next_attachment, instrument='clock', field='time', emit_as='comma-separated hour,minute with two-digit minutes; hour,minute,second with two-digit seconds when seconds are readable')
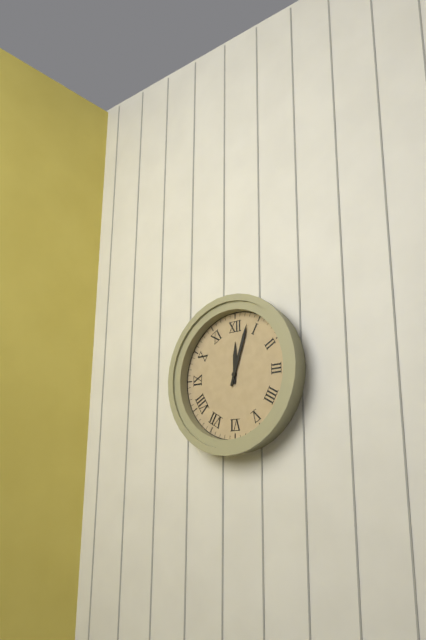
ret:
12,03
